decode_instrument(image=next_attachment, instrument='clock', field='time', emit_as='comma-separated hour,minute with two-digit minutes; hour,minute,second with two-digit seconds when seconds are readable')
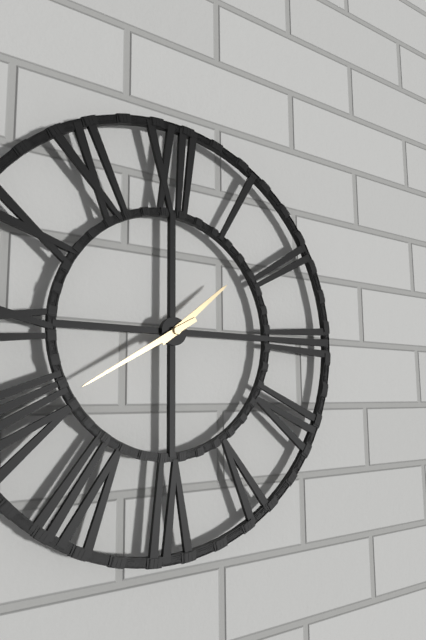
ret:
1,40
